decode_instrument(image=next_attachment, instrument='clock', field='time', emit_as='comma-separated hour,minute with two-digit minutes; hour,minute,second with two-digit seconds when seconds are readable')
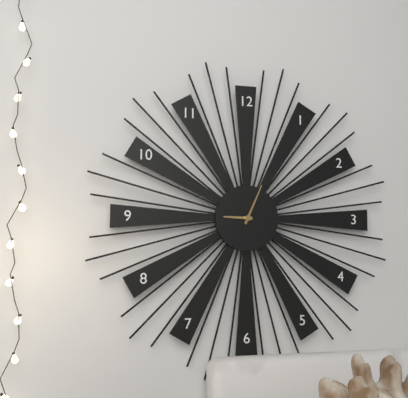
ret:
9,04
